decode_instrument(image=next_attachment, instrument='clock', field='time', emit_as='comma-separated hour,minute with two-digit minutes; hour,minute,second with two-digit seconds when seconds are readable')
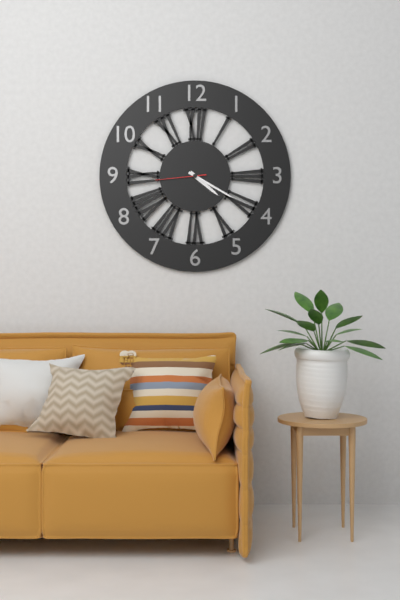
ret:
4,20,44
